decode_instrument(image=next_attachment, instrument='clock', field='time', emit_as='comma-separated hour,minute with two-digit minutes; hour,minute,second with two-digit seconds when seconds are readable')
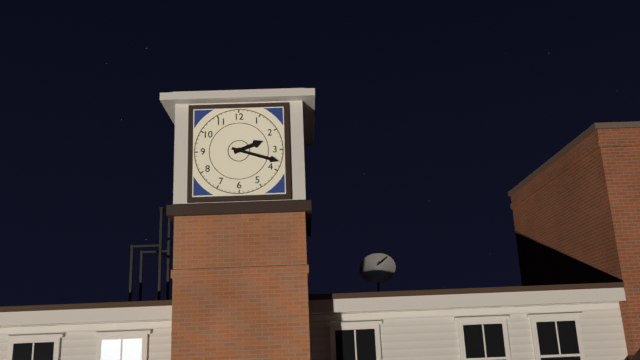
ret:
2,18
